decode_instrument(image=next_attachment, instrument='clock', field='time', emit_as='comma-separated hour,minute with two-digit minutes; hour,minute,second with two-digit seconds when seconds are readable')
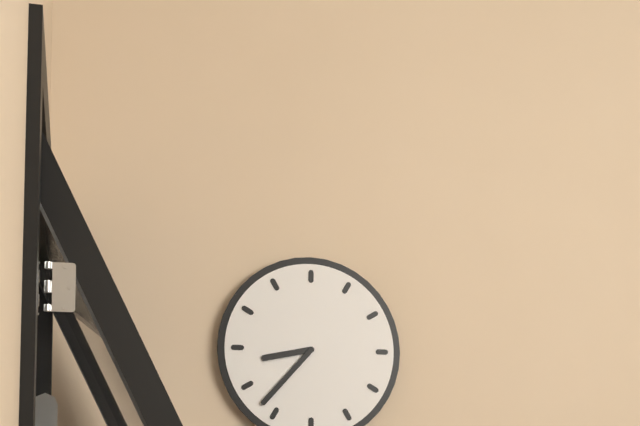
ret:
8,37
